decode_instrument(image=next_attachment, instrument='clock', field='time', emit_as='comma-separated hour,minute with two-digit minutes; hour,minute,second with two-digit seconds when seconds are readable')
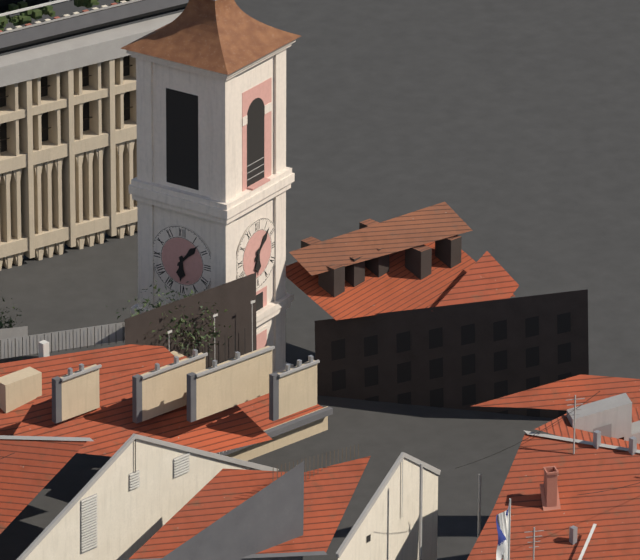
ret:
6,07
